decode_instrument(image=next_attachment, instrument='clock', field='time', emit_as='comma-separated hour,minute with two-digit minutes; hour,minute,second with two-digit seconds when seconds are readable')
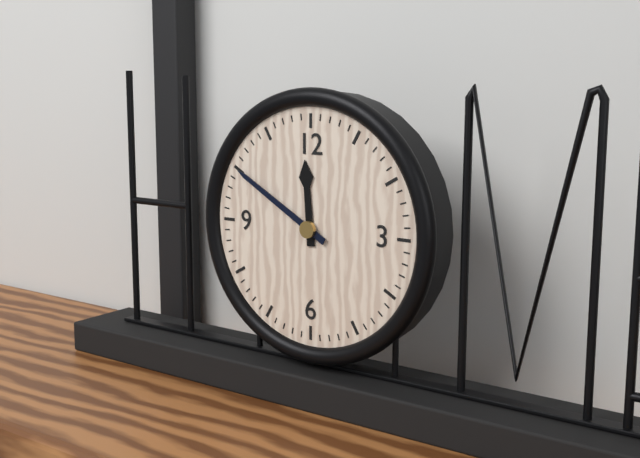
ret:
11,50
